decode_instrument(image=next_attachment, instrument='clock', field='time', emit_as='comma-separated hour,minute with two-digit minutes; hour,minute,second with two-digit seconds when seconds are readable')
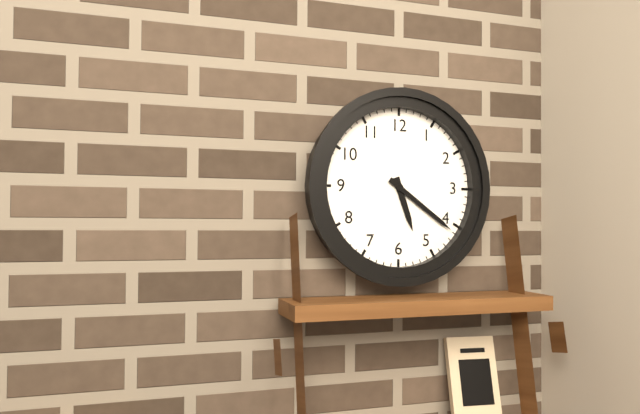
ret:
5,21
